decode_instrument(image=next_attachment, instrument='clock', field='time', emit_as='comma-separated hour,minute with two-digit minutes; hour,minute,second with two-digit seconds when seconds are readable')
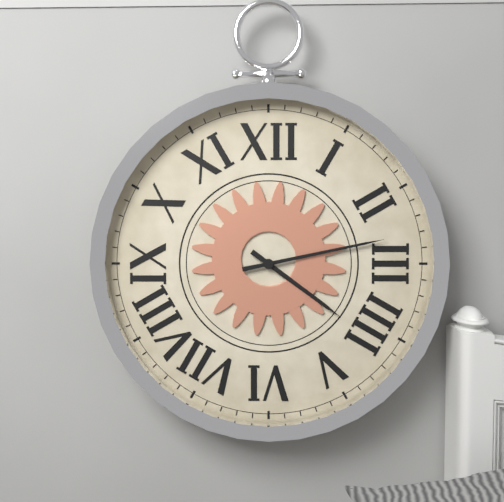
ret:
4,13
